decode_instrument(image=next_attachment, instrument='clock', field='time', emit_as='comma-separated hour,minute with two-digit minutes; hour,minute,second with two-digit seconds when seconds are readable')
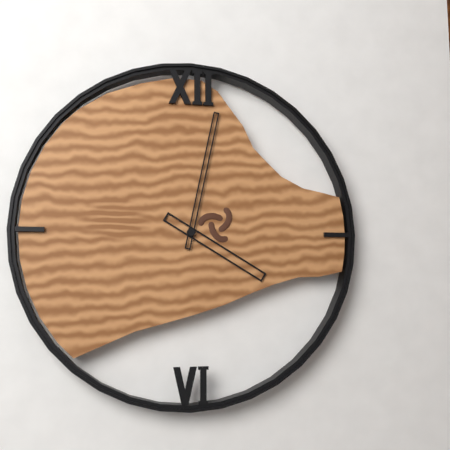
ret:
4,02
